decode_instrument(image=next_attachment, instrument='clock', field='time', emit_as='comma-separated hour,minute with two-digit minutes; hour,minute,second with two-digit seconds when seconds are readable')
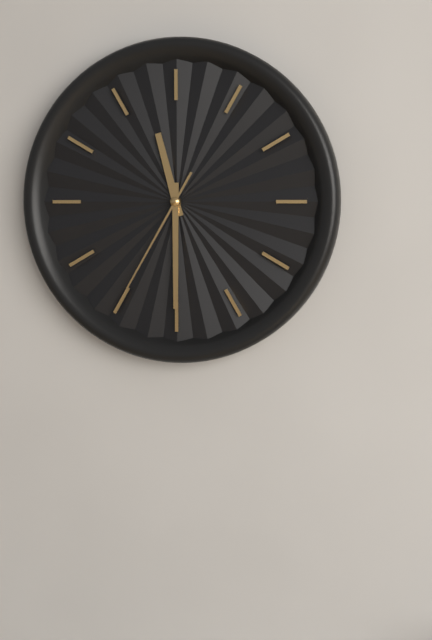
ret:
11,30,35
